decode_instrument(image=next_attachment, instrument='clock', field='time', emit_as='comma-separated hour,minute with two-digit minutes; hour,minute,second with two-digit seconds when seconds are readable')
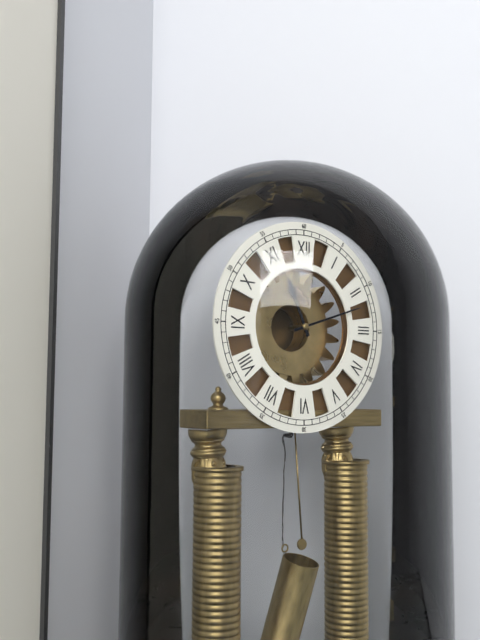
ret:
11,12
